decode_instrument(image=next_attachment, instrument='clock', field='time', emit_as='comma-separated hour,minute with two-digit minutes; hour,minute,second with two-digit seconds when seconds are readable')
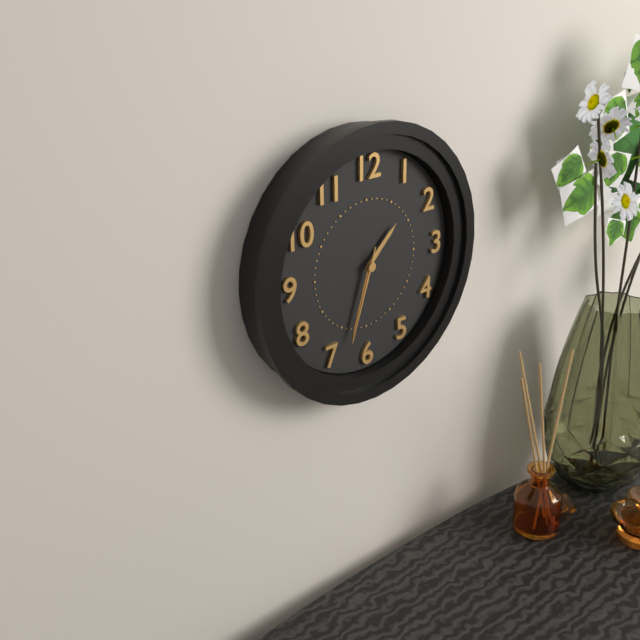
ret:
1,33,33
